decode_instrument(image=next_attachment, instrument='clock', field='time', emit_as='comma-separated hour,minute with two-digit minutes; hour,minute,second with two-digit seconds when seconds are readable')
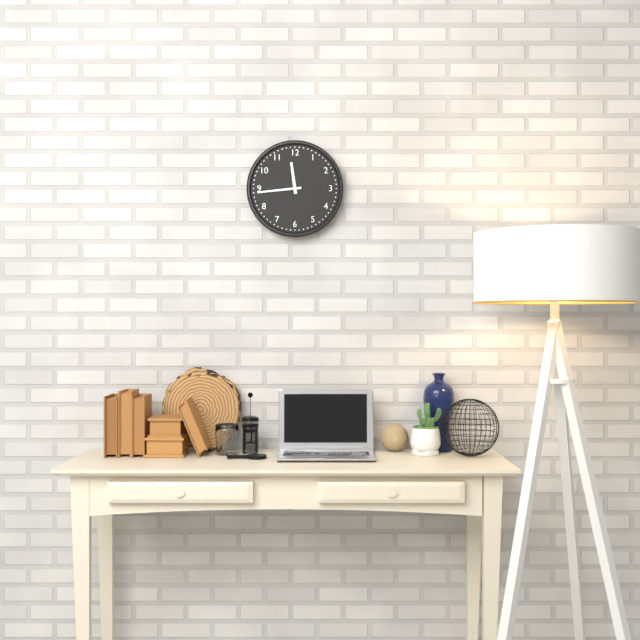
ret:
11,44
